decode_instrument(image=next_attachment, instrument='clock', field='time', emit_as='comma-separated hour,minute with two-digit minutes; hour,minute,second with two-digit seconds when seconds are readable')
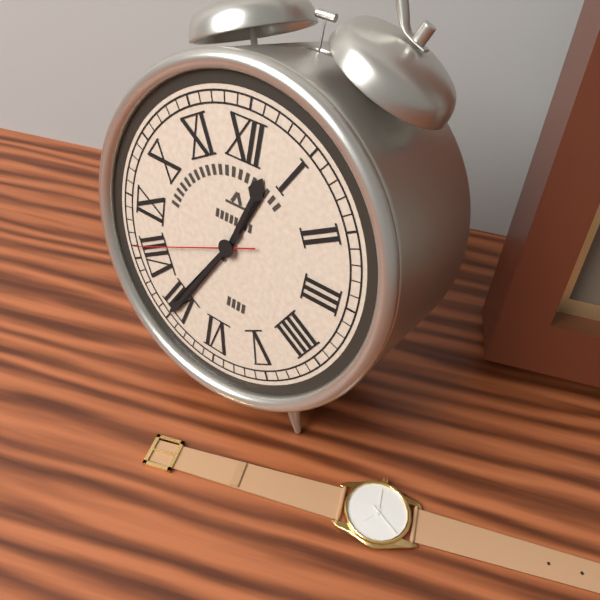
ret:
12,35,41
